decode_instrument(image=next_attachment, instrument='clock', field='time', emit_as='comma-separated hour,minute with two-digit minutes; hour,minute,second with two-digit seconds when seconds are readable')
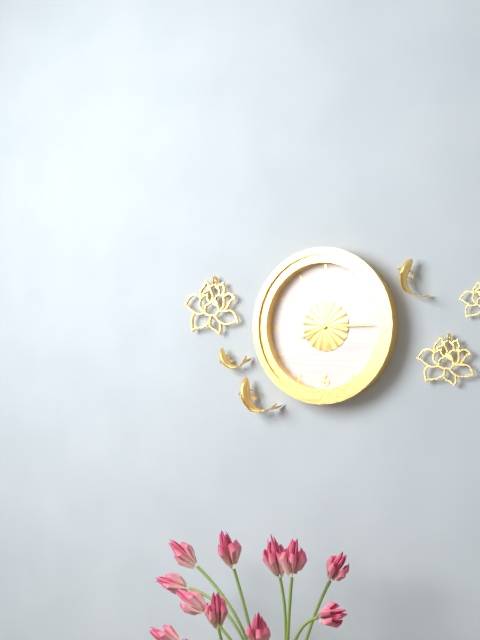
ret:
8,15
